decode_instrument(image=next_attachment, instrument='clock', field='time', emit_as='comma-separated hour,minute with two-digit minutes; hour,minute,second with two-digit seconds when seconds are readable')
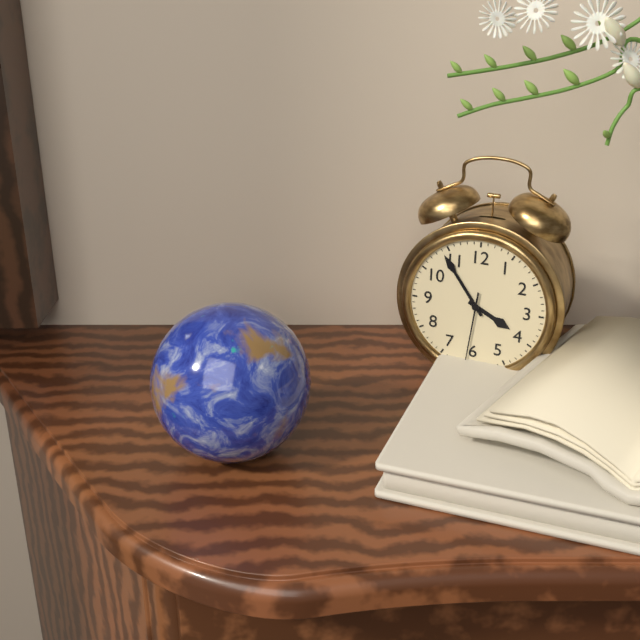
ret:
3,54,31
